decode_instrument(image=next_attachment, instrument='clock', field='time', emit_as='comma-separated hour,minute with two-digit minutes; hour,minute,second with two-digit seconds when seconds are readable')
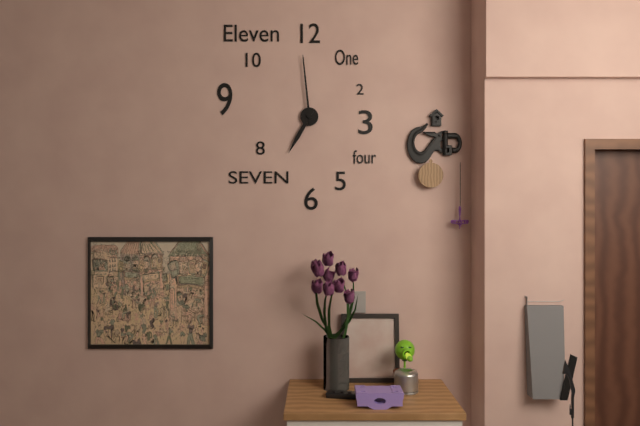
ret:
6,59
